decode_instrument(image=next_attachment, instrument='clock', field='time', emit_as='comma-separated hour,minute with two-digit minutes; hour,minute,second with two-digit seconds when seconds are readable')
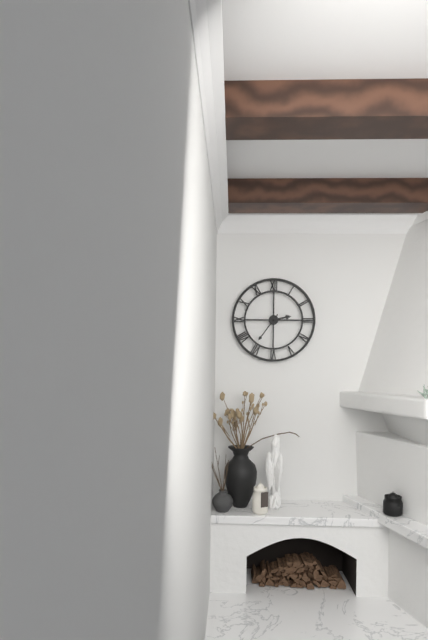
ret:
2,36
